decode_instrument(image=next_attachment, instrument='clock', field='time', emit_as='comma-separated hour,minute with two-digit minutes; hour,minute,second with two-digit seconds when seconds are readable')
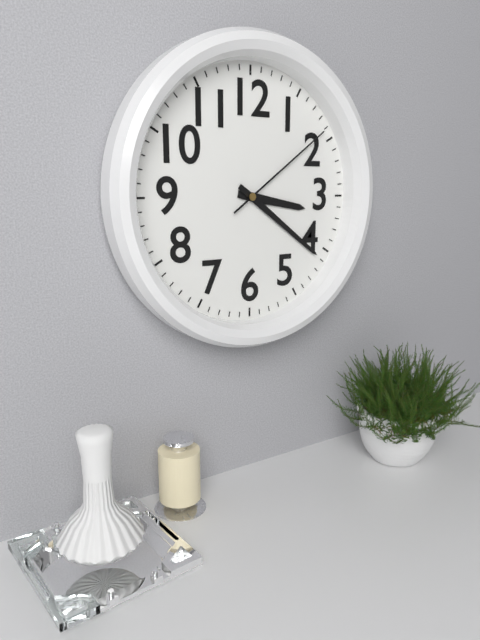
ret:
3,21,09
